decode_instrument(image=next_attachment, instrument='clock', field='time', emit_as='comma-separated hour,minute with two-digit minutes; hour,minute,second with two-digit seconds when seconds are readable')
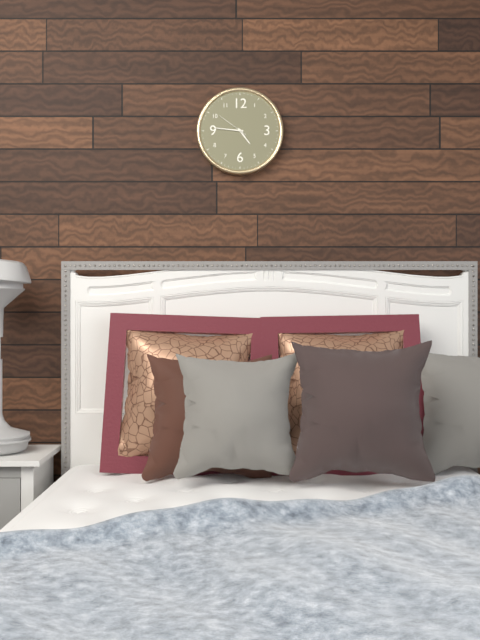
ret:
4,46
